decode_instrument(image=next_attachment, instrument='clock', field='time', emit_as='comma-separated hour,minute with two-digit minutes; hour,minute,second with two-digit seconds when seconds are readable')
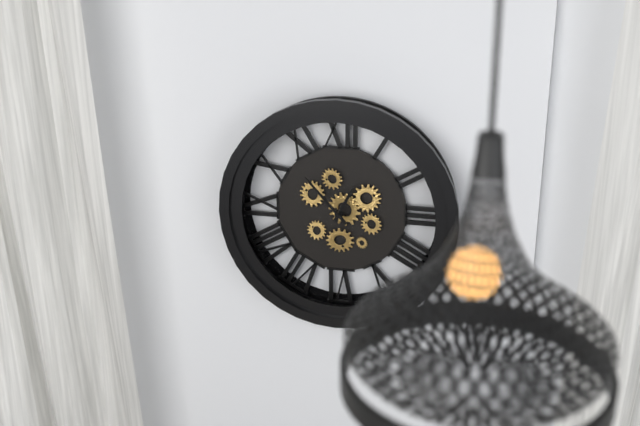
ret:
12,53
